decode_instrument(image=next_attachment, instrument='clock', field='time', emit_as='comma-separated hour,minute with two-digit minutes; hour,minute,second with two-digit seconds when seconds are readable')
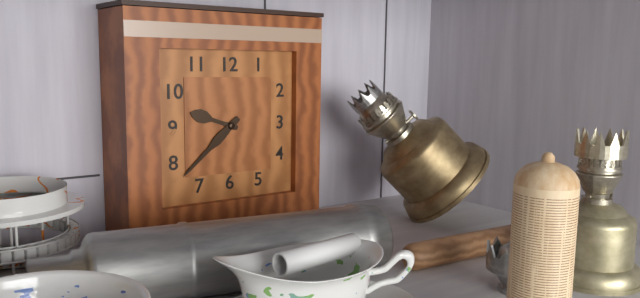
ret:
9,38
